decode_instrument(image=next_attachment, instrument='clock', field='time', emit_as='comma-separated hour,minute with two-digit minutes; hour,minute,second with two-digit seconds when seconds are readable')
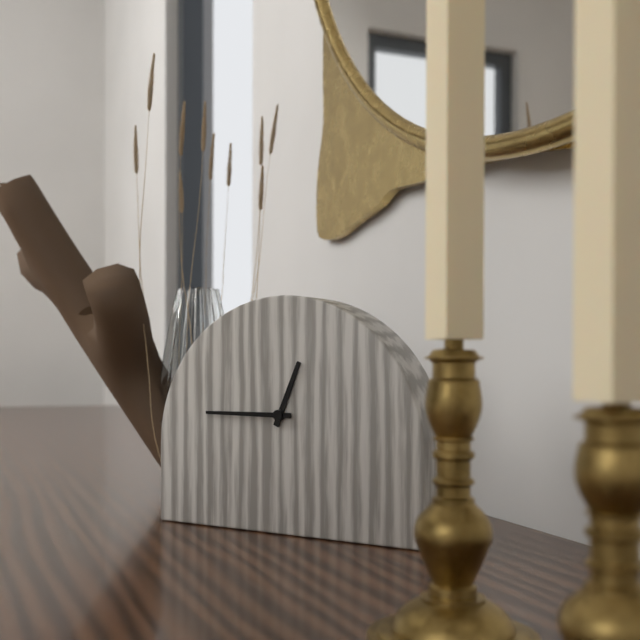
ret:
12,45
